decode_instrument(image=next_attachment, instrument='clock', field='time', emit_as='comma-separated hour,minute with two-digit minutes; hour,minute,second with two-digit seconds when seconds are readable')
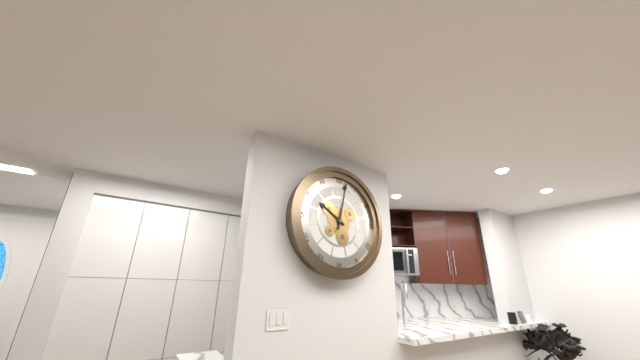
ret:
10,02
